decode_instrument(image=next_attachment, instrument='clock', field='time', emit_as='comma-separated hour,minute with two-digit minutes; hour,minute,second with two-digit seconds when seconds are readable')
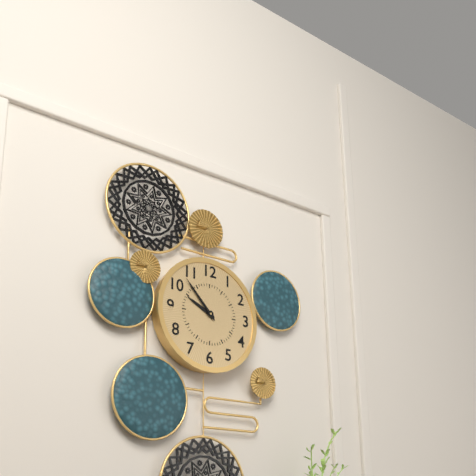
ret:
9,53
